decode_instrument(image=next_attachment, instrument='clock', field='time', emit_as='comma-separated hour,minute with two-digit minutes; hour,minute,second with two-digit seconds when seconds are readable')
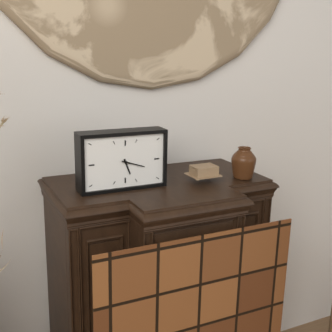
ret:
5,18
